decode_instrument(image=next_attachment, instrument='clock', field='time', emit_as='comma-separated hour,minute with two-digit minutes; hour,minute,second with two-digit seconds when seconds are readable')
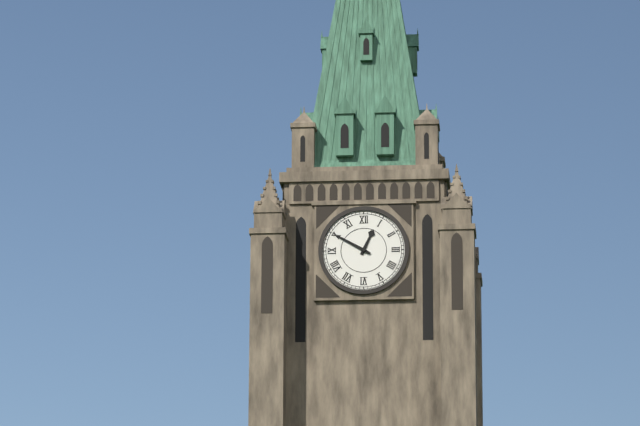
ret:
12,50
